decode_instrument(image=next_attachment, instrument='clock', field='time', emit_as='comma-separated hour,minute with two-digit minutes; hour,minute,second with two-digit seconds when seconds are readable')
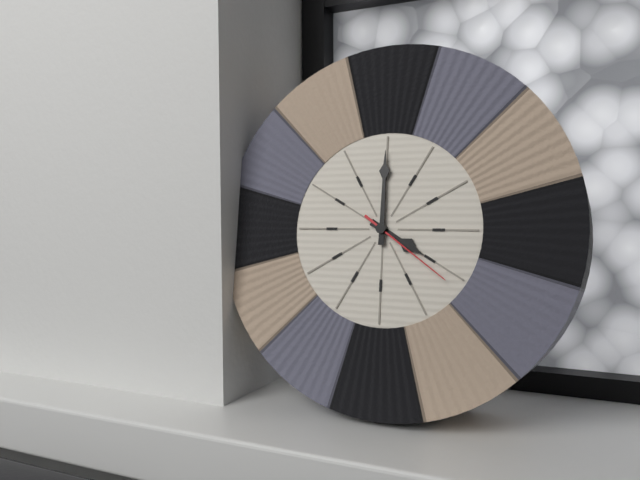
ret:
4,00,21
